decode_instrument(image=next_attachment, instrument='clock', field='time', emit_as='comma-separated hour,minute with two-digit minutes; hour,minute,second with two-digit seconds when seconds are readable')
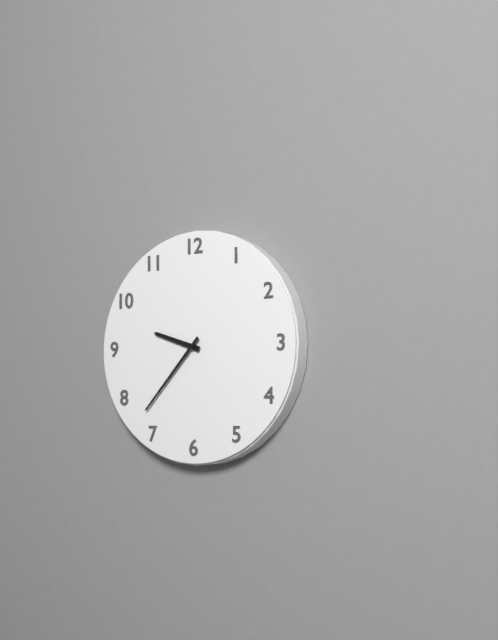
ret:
9,37
